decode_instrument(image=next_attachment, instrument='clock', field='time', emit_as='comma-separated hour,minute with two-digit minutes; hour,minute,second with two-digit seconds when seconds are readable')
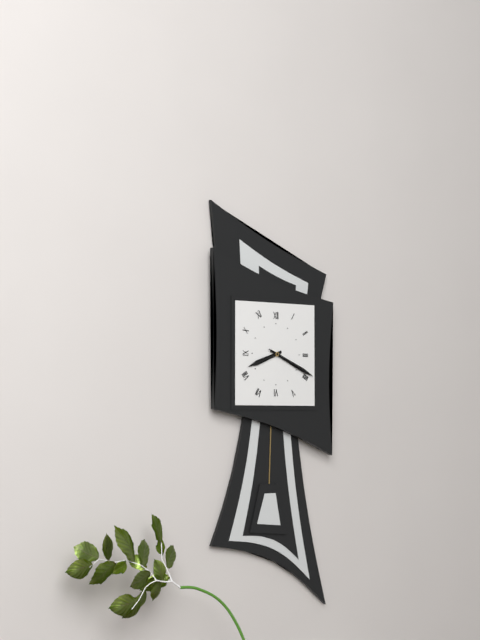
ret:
8,19
